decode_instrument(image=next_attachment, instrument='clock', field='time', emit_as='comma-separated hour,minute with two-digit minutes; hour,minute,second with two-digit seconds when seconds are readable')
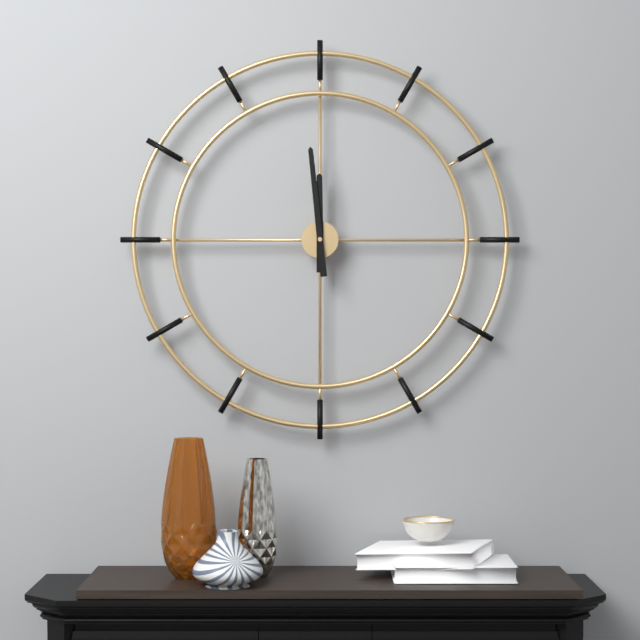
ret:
11,59
